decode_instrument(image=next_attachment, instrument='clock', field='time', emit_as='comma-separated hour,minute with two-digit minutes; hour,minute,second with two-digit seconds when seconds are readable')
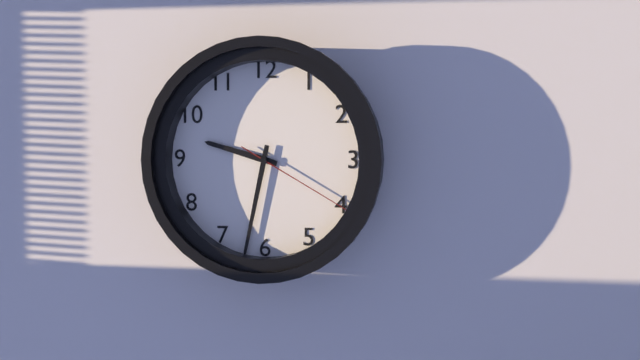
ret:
9,32,20
